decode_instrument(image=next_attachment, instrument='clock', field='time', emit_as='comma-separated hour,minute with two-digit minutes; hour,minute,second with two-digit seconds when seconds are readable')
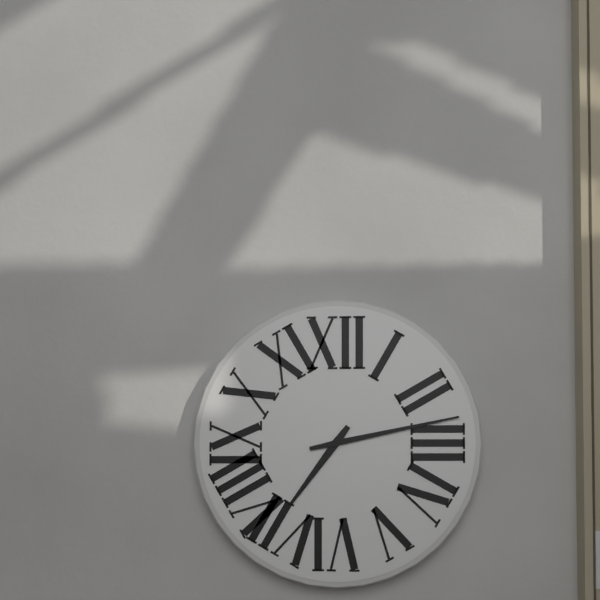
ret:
7,13
